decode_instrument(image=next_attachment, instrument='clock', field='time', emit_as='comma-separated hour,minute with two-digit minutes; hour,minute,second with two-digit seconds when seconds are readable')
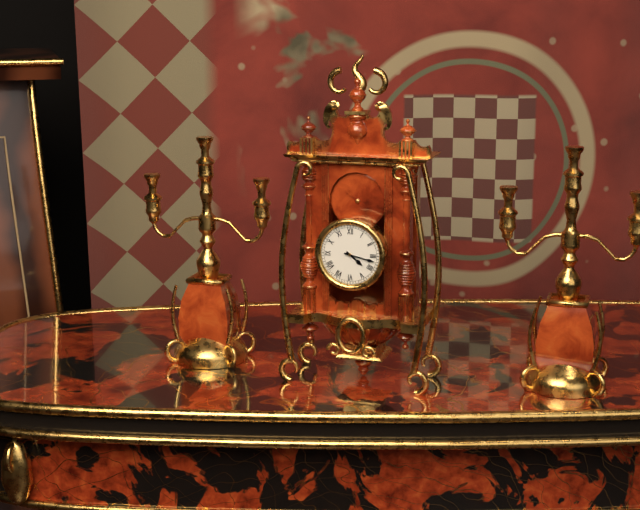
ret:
4,17
